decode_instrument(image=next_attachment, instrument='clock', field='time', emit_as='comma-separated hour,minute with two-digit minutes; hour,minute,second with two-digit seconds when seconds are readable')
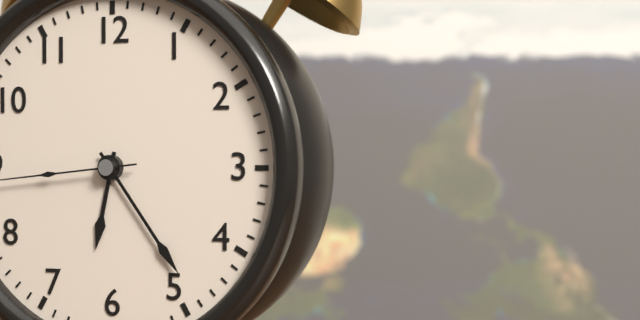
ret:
6,24,44
